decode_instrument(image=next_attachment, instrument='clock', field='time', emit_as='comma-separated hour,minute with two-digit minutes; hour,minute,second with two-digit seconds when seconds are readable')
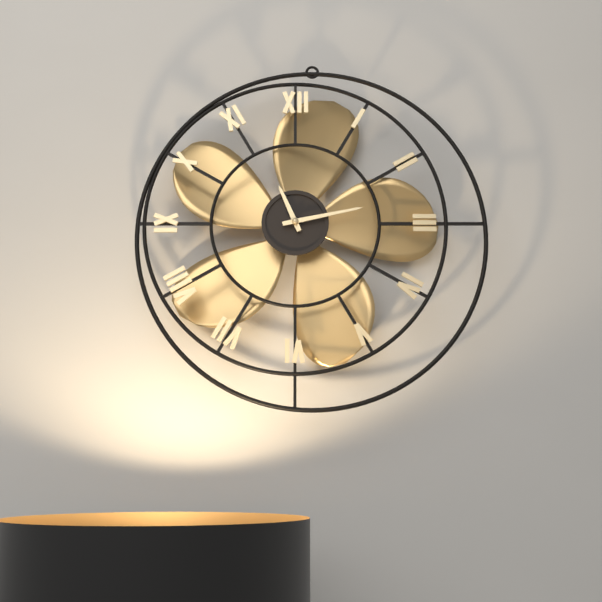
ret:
11,13
